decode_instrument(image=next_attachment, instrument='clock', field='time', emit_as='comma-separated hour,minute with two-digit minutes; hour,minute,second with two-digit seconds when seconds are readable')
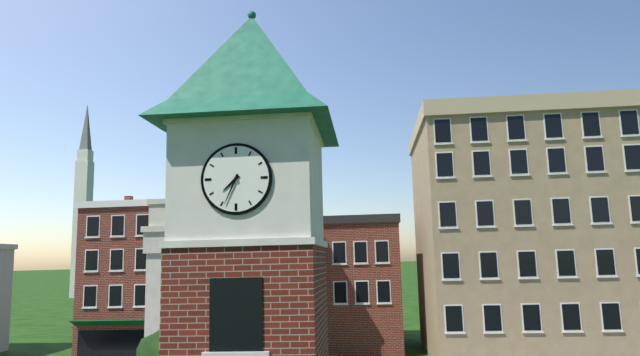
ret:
7,34
